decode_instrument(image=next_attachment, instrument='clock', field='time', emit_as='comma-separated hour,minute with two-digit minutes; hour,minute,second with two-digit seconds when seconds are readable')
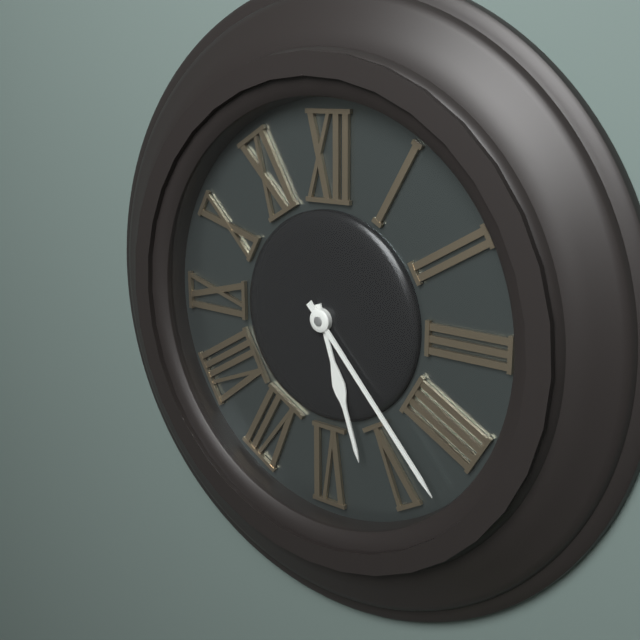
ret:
5,23
